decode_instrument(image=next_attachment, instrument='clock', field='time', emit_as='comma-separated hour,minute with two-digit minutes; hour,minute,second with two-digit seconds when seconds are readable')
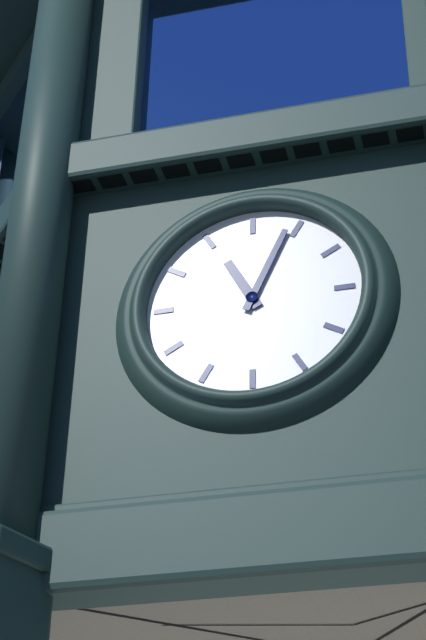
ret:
11,04
